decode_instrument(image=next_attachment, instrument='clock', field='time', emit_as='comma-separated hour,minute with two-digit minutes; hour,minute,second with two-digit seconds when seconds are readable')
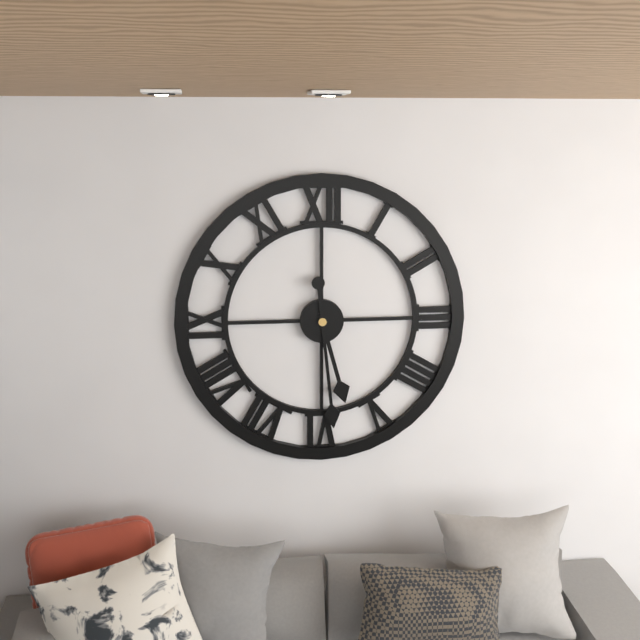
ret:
5,29
